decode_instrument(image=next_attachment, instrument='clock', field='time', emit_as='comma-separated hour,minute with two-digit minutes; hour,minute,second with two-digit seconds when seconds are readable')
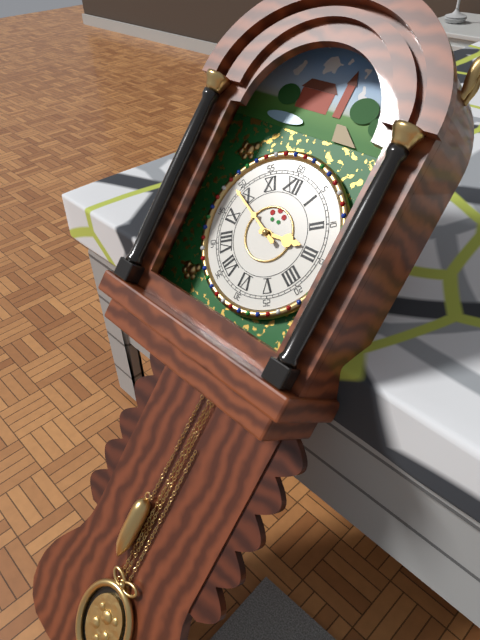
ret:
2,49
